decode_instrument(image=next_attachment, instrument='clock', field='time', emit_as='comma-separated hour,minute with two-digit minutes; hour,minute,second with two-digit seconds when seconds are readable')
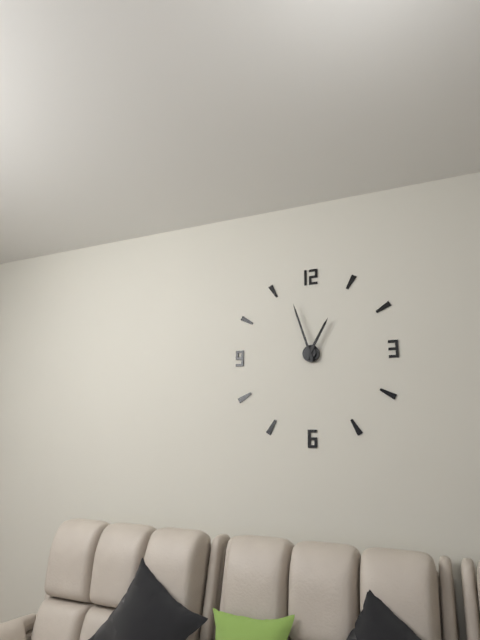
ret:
12,57
